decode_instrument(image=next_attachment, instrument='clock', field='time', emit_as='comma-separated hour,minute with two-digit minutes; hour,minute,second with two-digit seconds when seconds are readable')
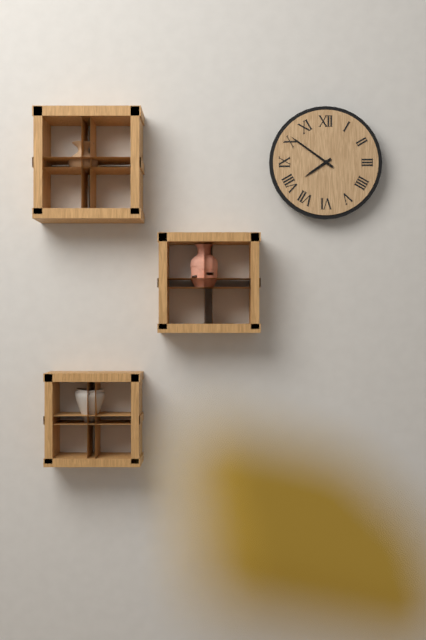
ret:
7,51
